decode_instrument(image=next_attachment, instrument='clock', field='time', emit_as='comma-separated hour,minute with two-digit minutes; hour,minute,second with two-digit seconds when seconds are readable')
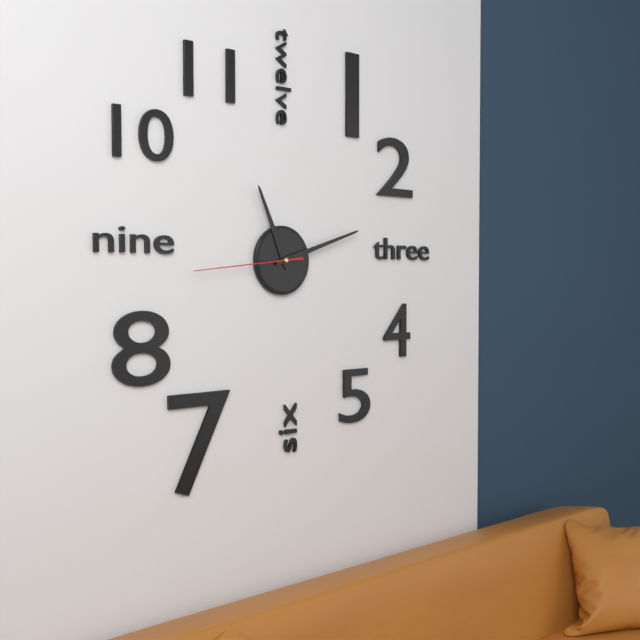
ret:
11,12,44
